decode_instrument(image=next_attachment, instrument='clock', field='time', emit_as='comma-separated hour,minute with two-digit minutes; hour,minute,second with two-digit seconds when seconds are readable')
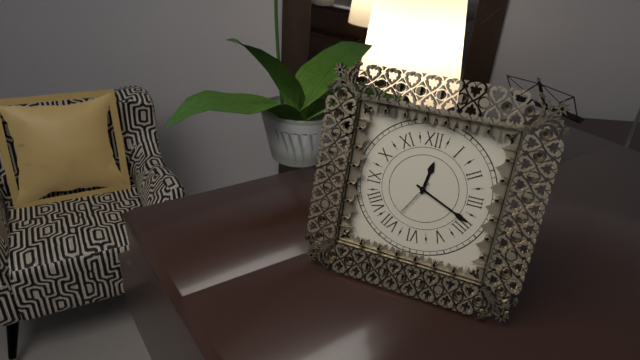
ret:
12,19
